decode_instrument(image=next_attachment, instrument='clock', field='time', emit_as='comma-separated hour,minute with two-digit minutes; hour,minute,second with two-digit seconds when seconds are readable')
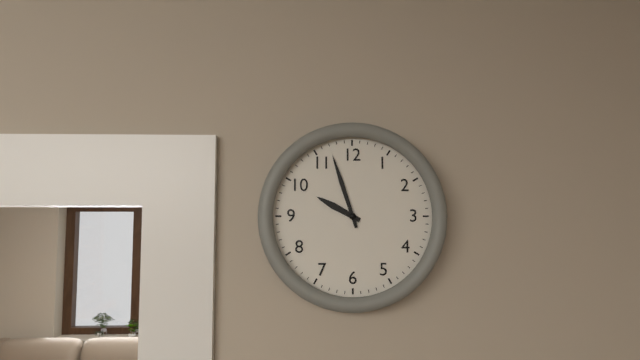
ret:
9,57
